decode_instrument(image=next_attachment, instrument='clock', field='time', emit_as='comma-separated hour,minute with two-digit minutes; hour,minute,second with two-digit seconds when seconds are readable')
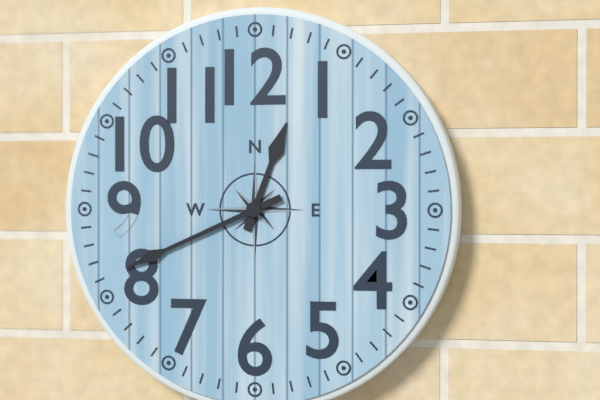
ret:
12,41
